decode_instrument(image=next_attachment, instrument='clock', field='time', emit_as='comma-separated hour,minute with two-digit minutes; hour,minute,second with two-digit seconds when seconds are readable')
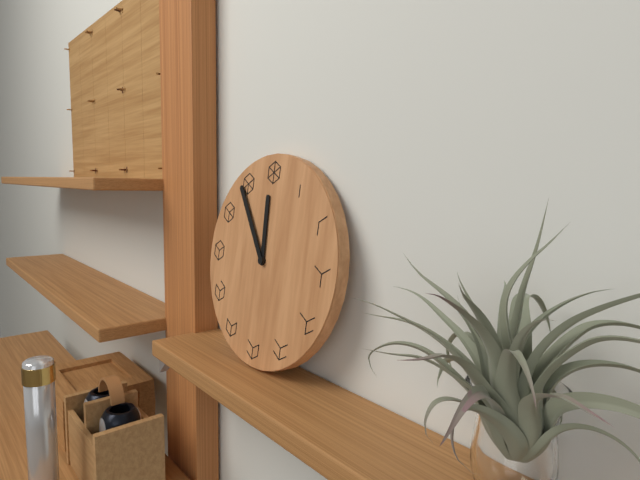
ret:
11,54
